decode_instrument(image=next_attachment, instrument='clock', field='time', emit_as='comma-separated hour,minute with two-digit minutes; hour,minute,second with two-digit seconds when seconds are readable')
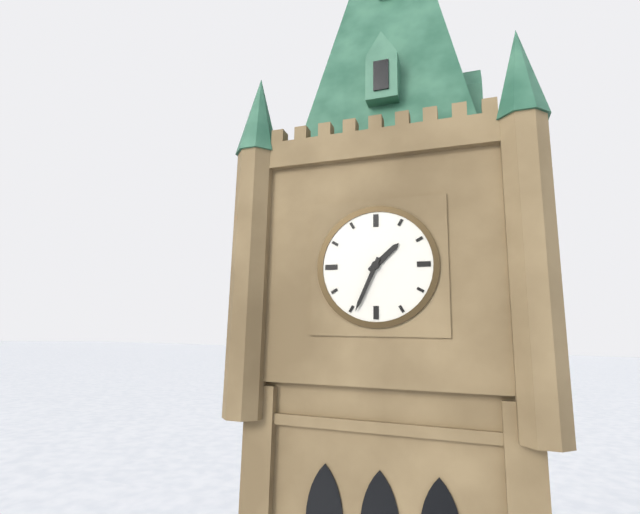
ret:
1,34
